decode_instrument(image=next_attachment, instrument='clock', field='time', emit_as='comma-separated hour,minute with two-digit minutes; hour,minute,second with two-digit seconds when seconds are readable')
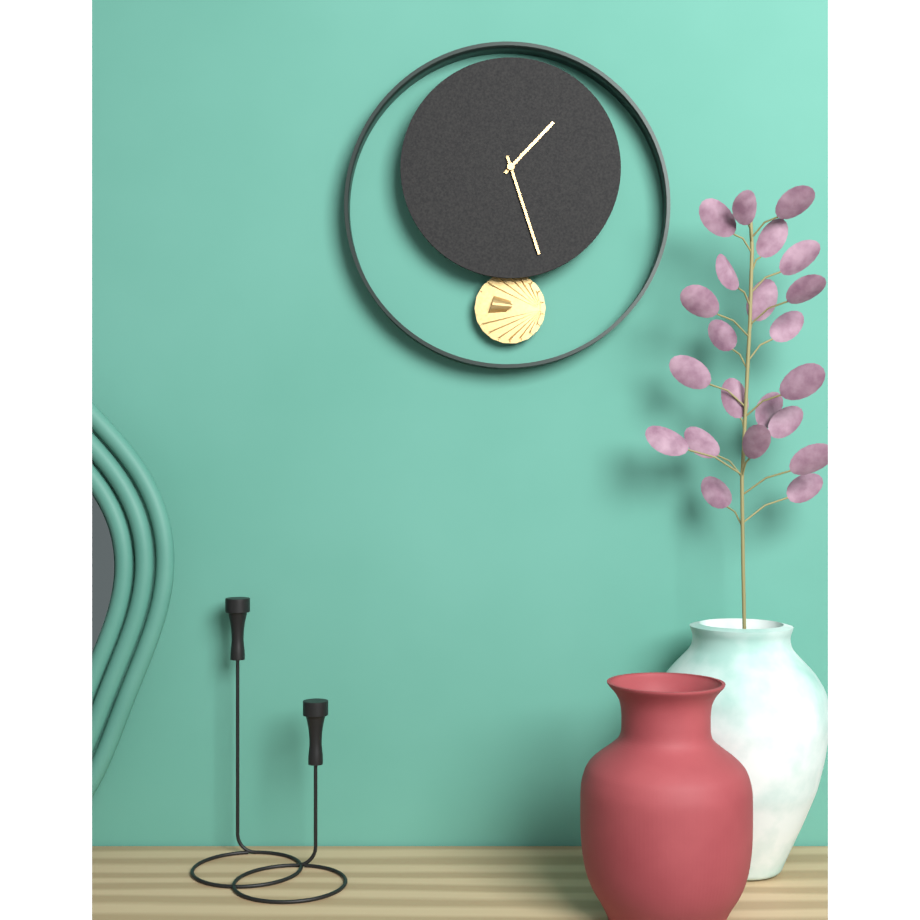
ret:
1,27
